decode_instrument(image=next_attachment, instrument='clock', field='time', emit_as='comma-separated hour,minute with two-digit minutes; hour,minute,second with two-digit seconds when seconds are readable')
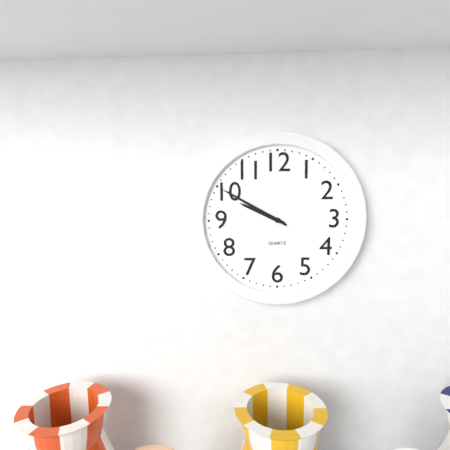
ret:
9,50
